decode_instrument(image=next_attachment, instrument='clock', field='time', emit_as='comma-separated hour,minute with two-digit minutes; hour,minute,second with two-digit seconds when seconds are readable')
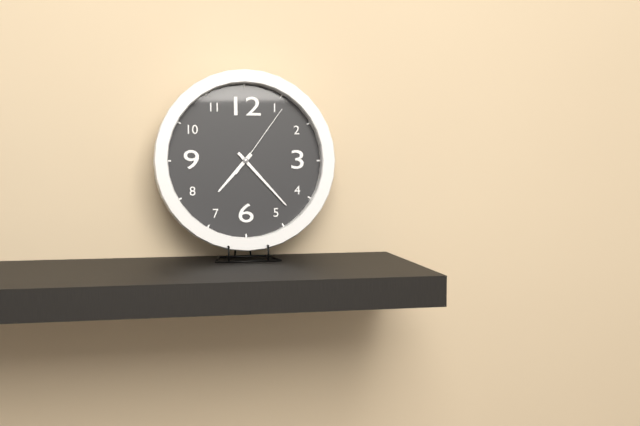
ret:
7,23,06
